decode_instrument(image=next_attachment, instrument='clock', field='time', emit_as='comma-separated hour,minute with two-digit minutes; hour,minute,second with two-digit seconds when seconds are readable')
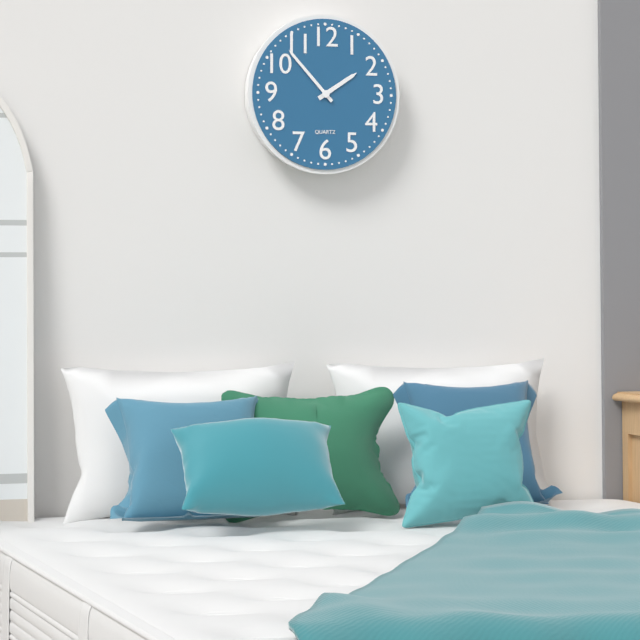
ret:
1,53
